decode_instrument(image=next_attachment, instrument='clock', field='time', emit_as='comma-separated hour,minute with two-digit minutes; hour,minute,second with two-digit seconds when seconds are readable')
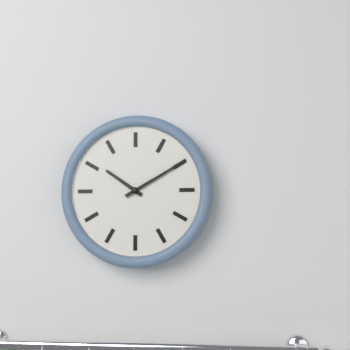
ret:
10,10
